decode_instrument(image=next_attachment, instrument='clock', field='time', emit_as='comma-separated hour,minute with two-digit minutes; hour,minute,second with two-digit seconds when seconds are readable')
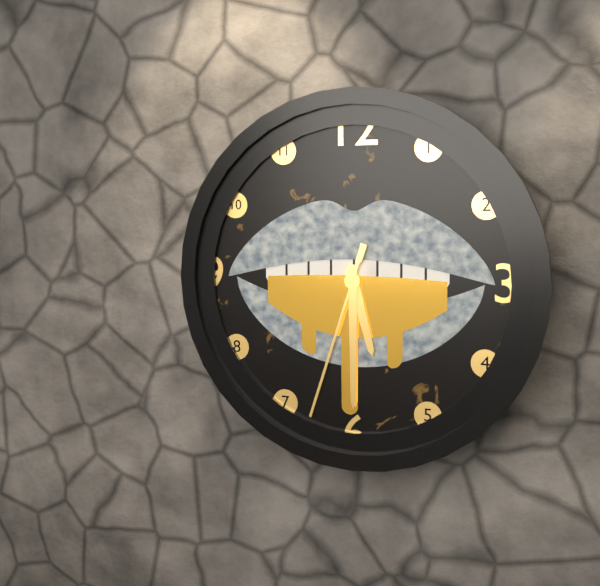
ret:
5,30,33
